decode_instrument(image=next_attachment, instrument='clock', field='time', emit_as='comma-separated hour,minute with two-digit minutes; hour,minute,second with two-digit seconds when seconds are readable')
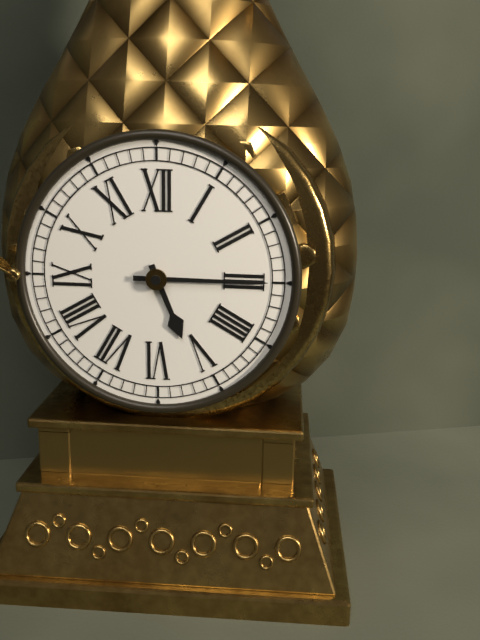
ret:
5,15
